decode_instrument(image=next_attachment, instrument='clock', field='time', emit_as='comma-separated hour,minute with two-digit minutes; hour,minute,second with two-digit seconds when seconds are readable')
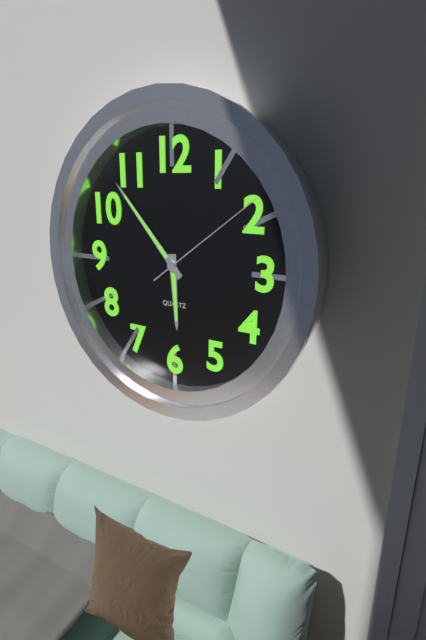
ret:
5,53,09
